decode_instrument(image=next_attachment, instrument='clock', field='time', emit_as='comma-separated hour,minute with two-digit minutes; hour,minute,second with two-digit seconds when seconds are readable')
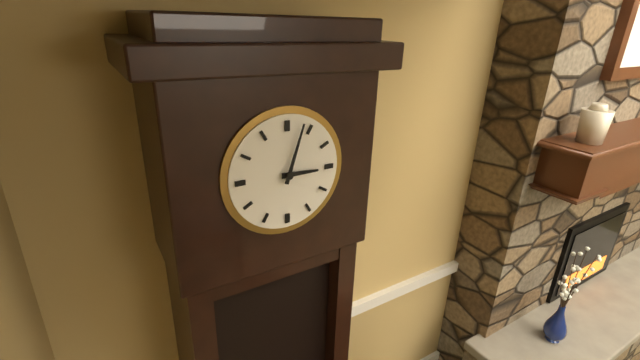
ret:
3,03
